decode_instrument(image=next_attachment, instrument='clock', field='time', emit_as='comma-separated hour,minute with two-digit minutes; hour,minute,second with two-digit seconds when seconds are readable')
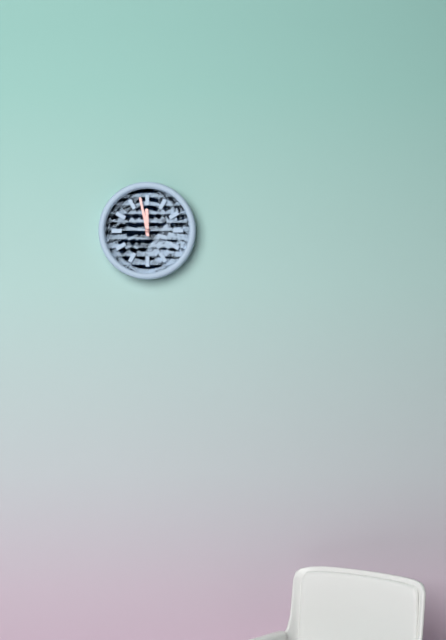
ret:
11,58
